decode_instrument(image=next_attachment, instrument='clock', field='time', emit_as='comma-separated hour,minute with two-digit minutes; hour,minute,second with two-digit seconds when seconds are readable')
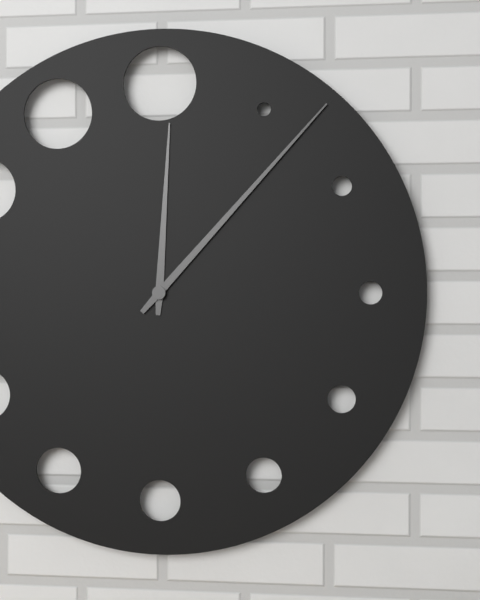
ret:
12,07
